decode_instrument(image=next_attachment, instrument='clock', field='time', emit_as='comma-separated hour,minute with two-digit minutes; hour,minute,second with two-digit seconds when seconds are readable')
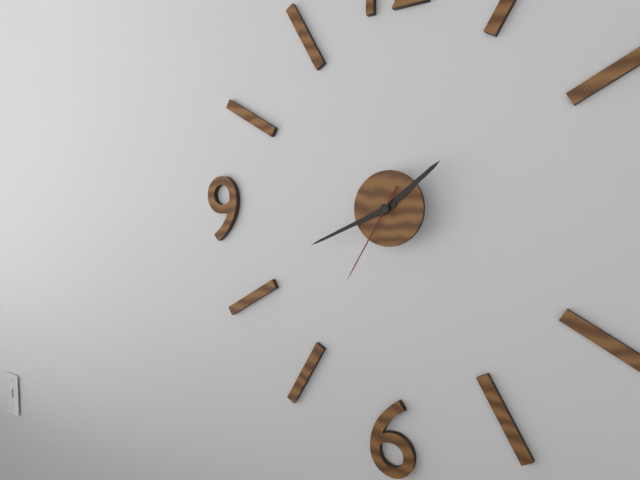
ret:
1,41,35
